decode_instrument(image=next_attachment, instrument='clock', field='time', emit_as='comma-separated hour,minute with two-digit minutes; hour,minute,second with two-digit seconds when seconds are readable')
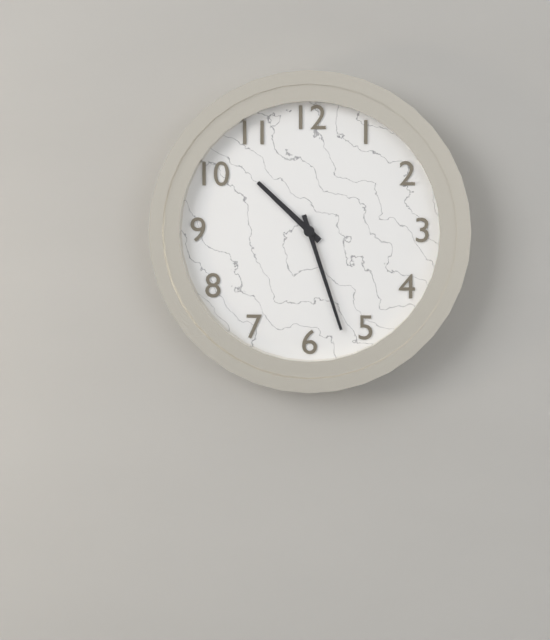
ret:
10,27
